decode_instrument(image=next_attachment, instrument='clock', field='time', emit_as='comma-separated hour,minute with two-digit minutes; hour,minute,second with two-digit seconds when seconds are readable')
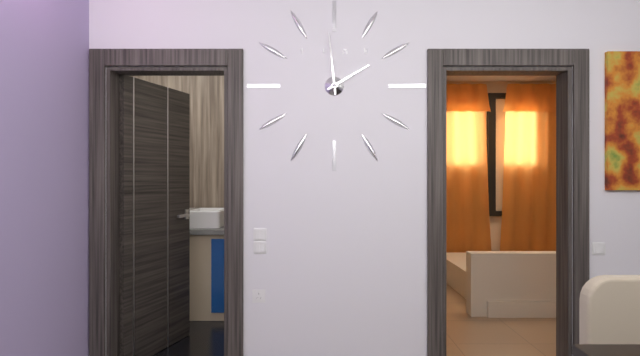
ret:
1,59
